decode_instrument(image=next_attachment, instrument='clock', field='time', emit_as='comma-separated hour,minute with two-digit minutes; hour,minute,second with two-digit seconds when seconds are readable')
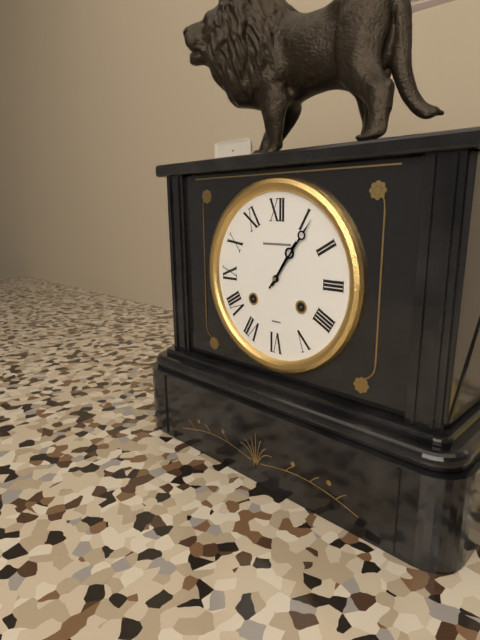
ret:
1,06
